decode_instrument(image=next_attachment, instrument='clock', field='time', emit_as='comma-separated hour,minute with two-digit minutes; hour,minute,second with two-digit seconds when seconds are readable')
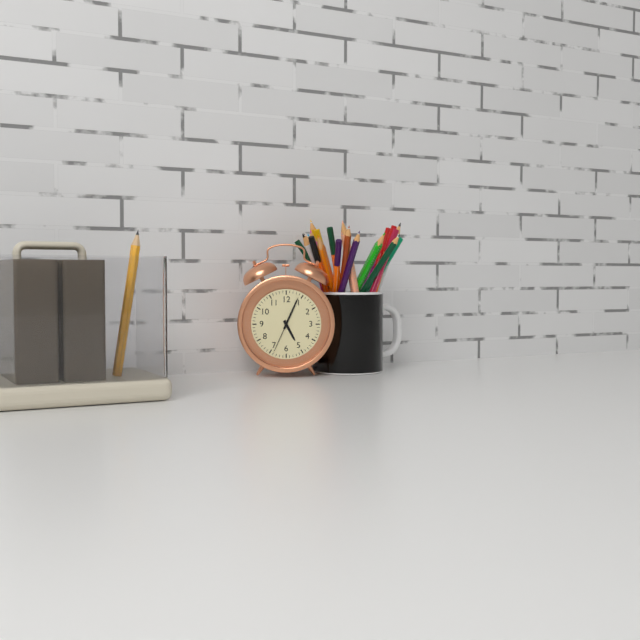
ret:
5,04
